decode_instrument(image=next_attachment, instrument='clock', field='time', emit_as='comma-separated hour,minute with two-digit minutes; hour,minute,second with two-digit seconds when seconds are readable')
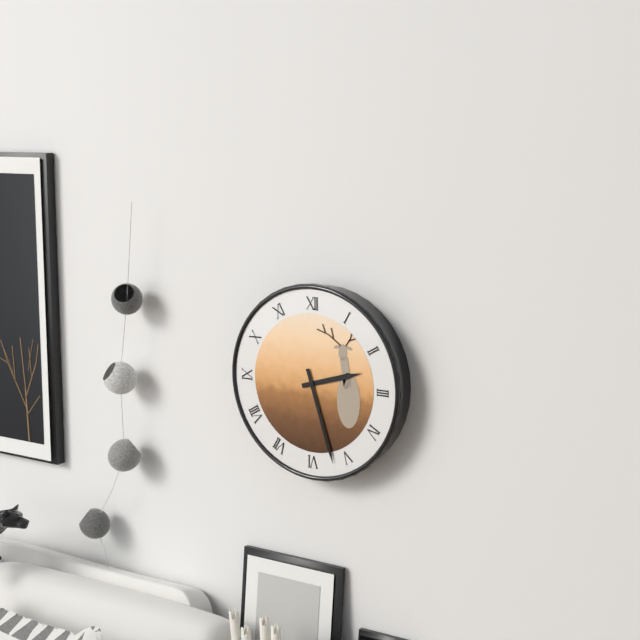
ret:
2,27
